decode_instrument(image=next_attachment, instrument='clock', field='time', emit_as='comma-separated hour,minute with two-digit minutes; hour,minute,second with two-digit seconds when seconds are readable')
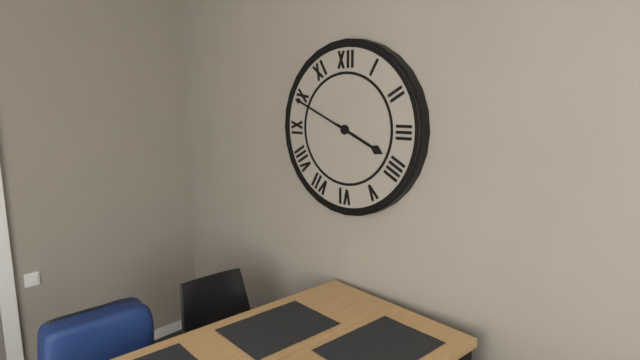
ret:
3,49
